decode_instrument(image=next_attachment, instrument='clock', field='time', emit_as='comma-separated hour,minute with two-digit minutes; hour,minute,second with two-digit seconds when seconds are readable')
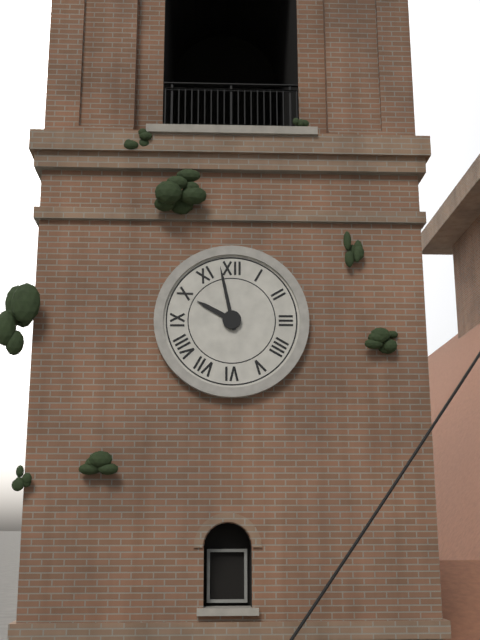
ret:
9,58
